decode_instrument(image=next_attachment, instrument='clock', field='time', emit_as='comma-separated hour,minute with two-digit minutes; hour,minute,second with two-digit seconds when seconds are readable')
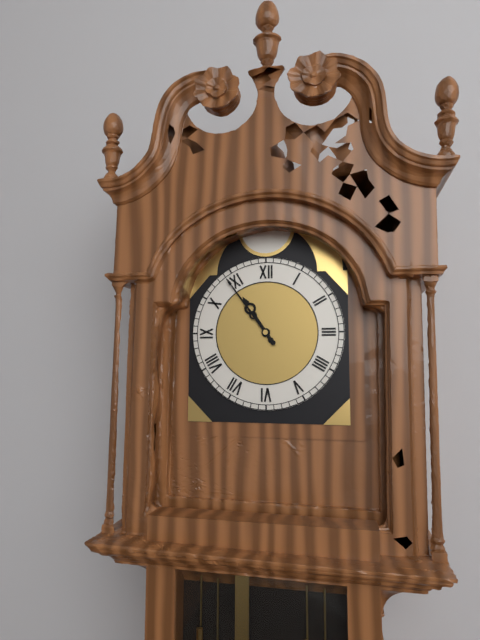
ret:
10,54
